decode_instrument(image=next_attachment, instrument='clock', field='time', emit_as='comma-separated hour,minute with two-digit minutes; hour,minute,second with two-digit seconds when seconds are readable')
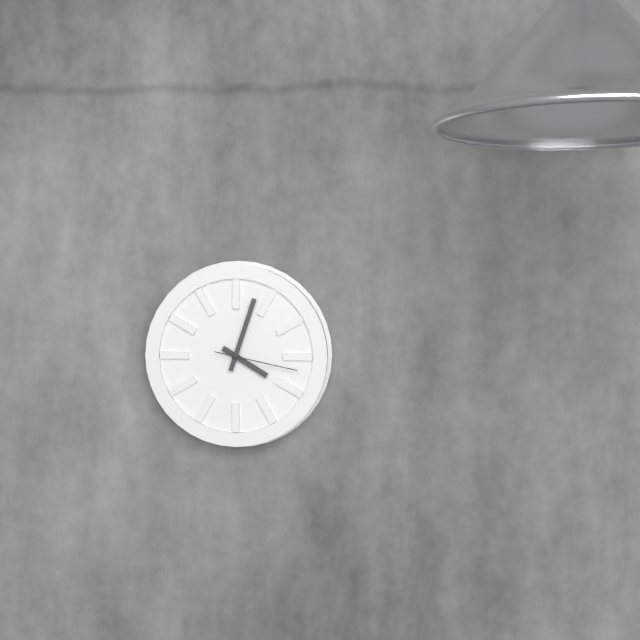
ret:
4,03,17
